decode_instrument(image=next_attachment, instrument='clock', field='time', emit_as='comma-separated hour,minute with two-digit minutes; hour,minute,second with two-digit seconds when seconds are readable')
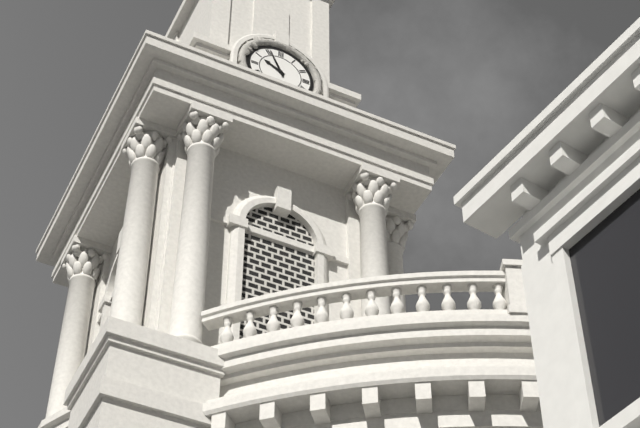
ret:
9,56
